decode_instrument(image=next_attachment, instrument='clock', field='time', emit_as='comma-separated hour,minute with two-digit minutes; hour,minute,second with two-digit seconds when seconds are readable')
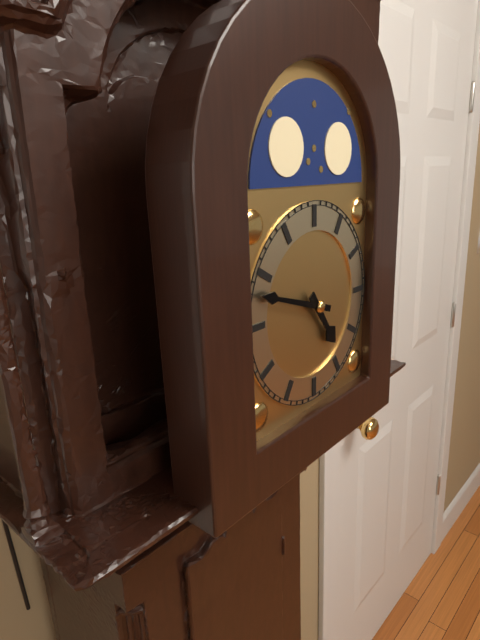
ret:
4,48
